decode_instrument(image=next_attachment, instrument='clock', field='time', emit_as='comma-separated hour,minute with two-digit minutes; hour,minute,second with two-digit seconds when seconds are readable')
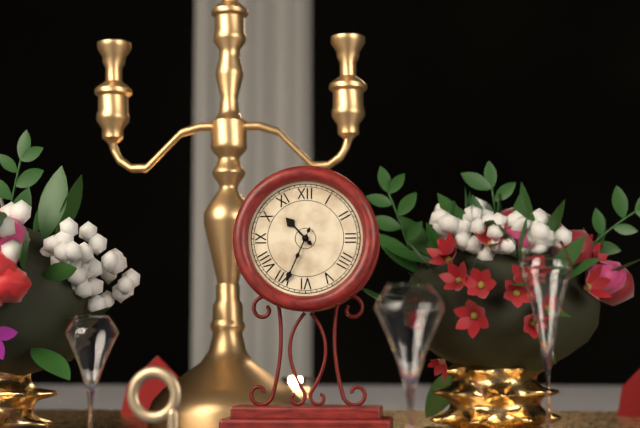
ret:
10,34
